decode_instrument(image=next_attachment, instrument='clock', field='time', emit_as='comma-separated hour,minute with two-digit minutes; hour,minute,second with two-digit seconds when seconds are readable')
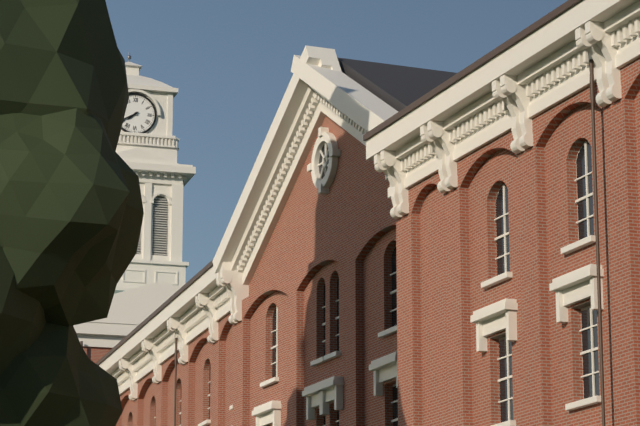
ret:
7,40
